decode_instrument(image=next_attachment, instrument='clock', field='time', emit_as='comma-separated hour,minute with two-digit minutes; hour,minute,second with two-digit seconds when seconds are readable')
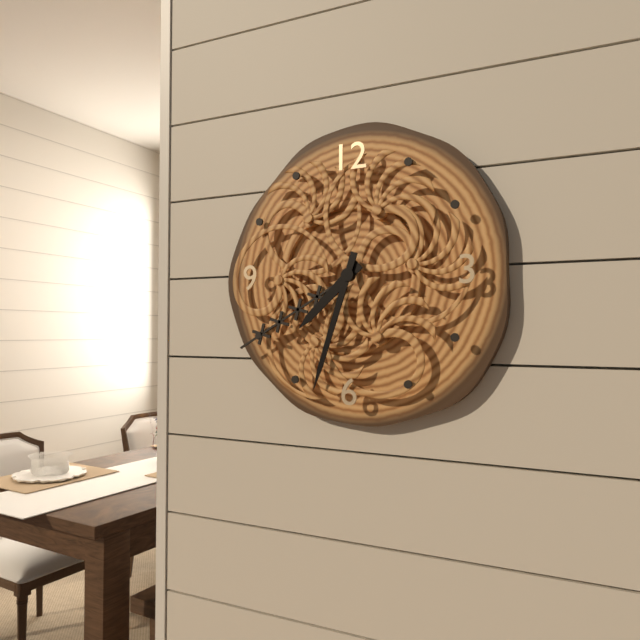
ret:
7,33
